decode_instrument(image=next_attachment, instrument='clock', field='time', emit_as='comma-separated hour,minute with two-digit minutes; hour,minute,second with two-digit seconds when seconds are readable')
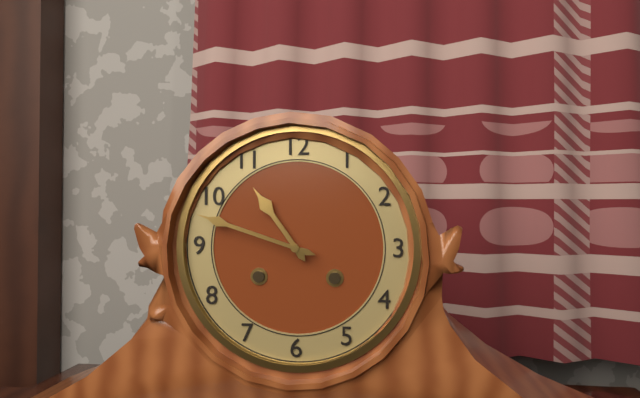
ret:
10,48
